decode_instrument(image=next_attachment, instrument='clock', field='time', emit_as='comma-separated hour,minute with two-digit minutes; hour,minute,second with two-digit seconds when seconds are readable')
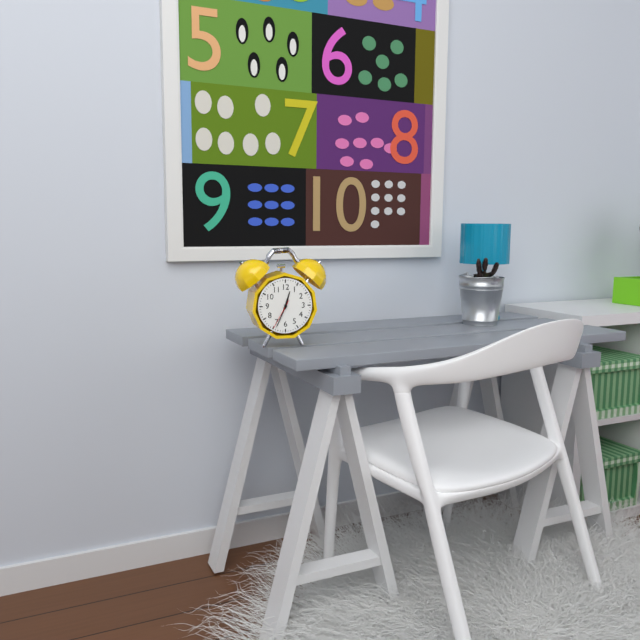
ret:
12,34
